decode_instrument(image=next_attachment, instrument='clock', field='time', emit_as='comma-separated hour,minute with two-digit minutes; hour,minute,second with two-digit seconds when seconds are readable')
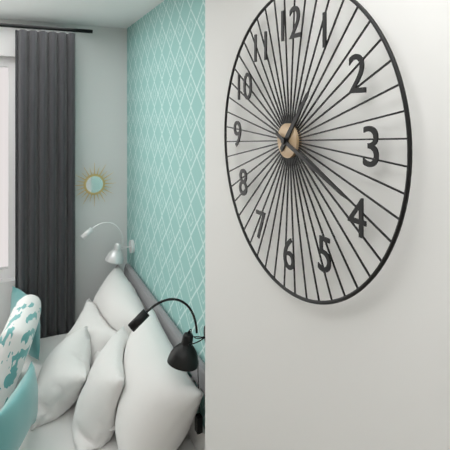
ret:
1,19
